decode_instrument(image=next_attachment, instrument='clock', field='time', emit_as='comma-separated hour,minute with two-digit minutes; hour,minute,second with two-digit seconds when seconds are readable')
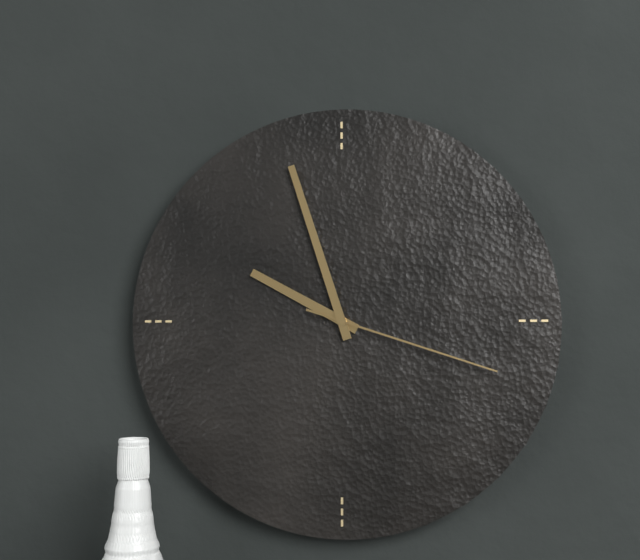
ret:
9,57,18
